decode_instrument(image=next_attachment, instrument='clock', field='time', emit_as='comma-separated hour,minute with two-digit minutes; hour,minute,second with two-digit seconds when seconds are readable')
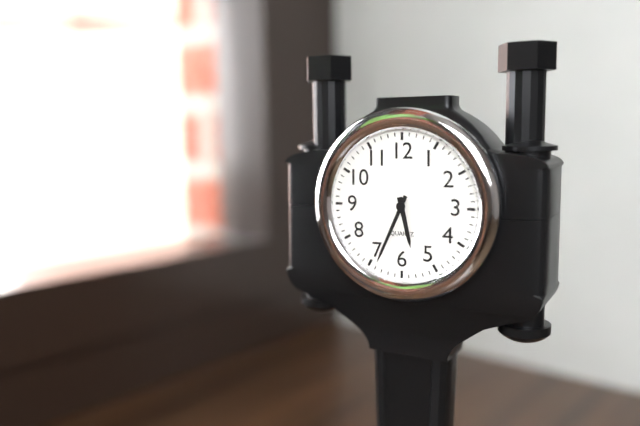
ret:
5,34
